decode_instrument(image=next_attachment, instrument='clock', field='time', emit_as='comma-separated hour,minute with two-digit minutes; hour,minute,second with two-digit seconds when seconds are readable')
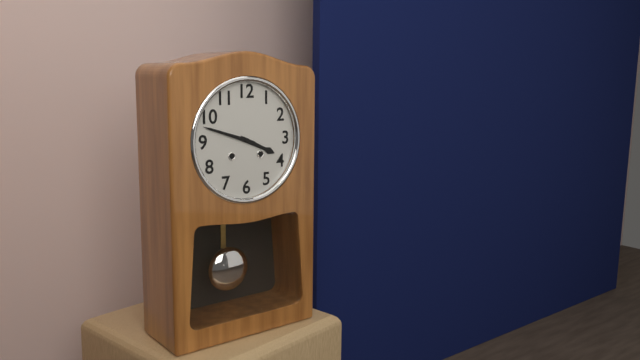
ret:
3,48
